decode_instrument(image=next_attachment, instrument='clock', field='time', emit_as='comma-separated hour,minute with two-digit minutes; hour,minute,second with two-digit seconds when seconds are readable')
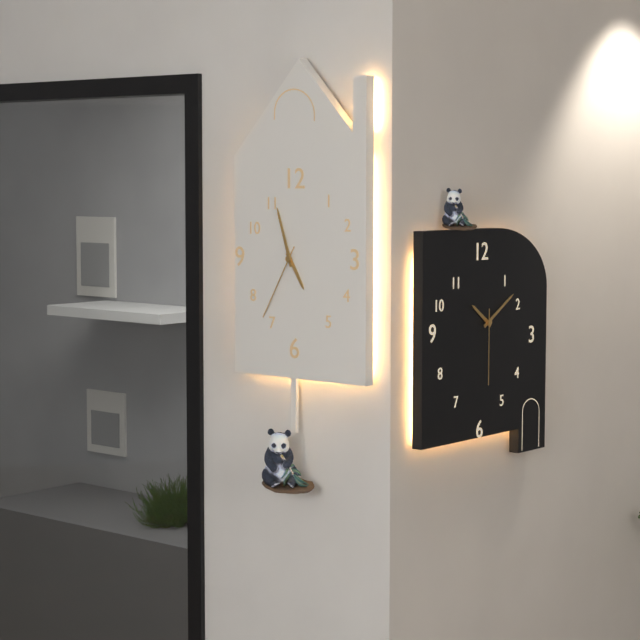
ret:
4,57,35
